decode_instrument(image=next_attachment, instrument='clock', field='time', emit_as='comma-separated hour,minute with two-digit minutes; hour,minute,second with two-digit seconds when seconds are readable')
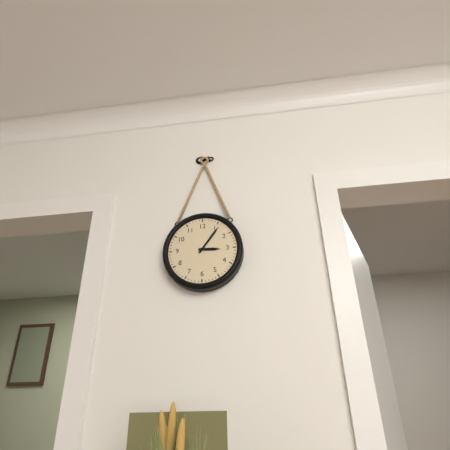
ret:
3,06
